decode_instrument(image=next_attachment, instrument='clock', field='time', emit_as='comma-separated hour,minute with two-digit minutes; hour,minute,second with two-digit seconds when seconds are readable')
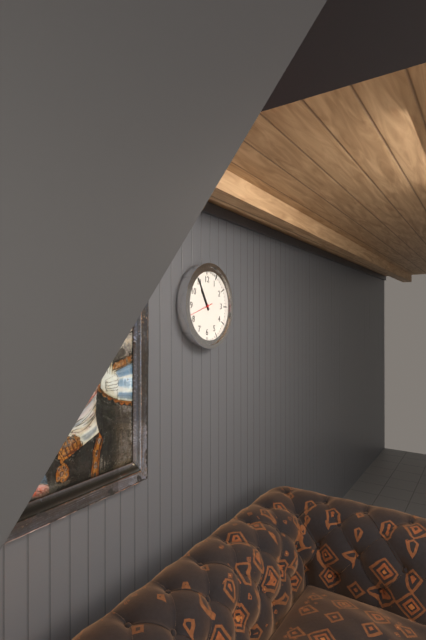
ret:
10,55
